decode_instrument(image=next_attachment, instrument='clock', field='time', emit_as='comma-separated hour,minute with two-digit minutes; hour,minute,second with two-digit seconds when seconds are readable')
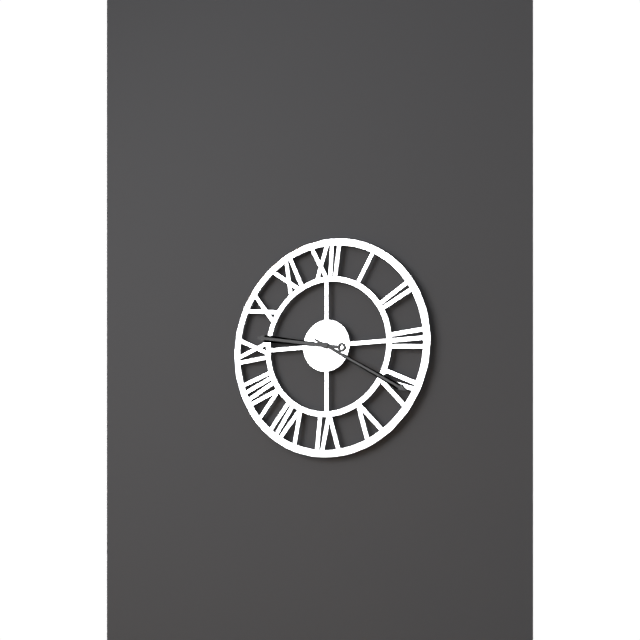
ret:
9,20
